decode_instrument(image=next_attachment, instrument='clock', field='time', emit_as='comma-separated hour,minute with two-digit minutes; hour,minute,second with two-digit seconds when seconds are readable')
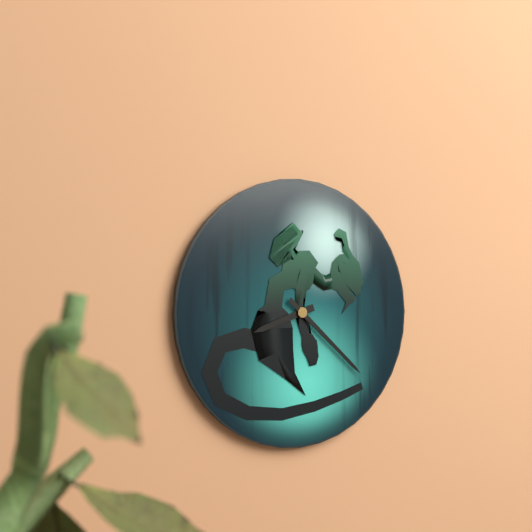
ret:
8,22
